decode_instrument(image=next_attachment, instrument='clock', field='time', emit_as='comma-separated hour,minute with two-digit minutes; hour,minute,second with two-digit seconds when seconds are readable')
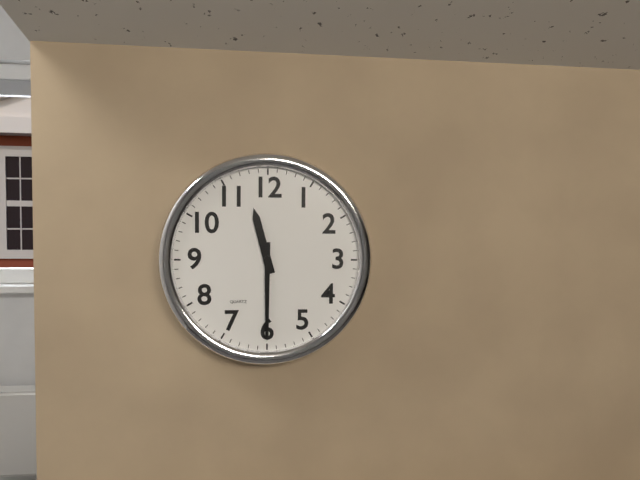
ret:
11,30
